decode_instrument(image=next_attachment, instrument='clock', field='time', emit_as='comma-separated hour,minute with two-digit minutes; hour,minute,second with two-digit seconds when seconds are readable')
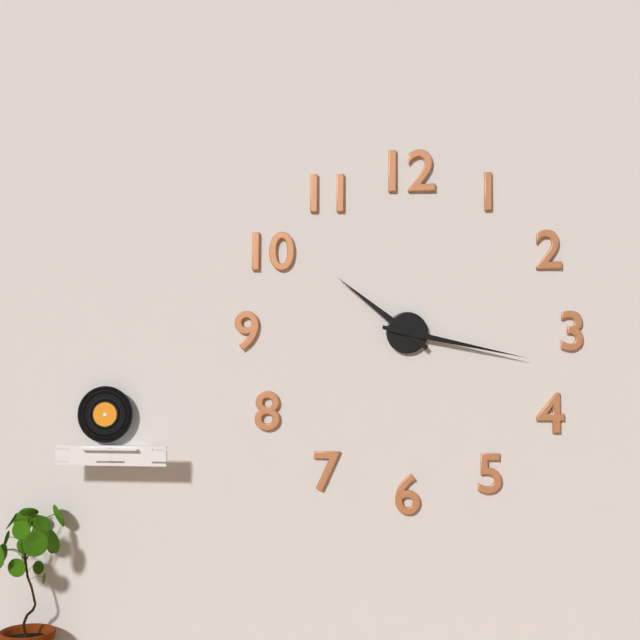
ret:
10,17
